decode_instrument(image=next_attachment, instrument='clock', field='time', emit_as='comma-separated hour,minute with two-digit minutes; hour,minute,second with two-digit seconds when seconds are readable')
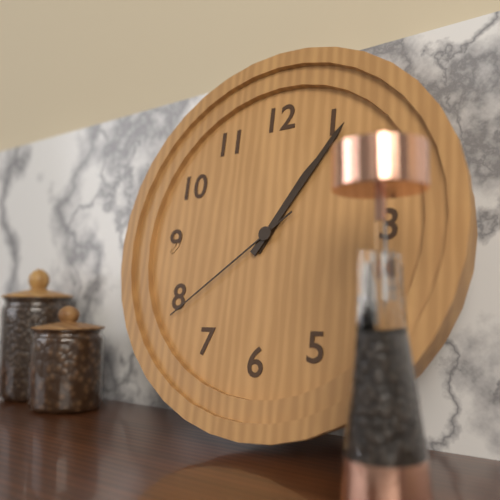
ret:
1,06,39
